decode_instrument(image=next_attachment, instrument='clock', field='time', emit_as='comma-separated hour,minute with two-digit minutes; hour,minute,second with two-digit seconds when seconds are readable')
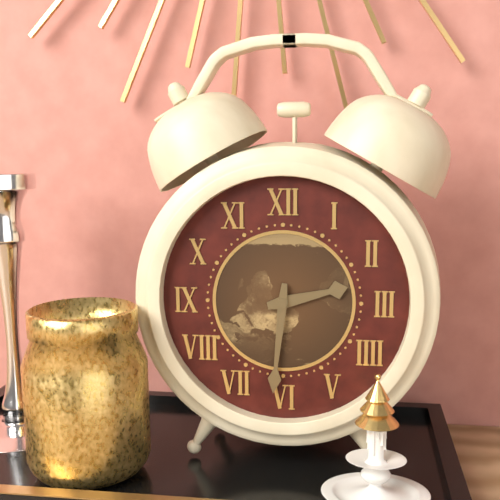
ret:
2,31
